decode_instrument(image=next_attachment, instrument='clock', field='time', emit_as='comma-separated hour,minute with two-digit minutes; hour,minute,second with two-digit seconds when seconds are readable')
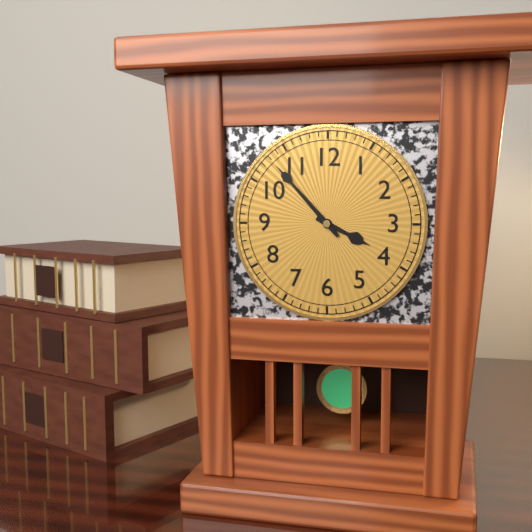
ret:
3,53
